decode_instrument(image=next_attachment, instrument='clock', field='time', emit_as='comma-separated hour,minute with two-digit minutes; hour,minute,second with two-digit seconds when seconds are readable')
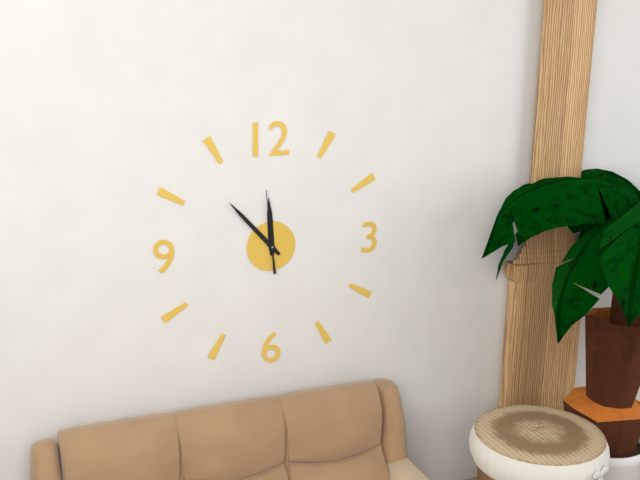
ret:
11,53,59
